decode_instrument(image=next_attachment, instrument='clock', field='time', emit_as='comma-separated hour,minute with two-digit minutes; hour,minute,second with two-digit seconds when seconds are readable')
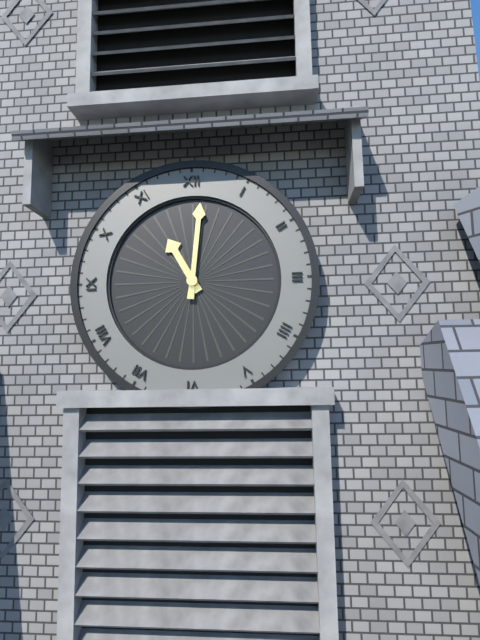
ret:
11,01
